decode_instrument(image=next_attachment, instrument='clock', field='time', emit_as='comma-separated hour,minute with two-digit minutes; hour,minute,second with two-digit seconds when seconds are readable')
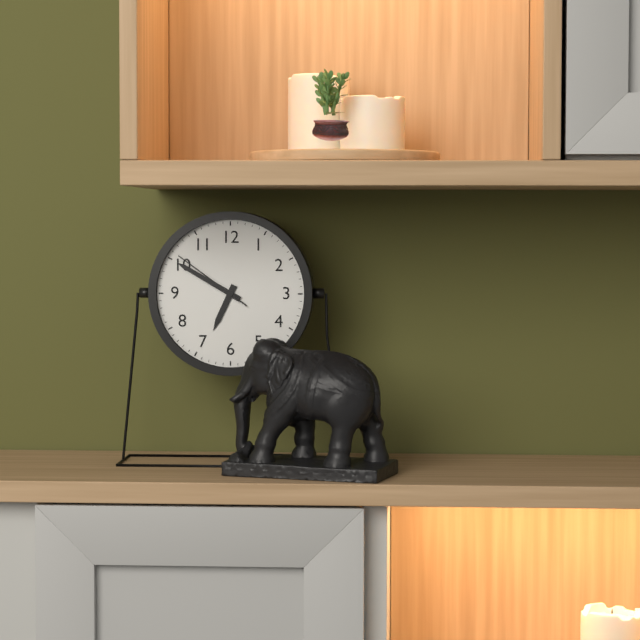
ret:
6,50,51
